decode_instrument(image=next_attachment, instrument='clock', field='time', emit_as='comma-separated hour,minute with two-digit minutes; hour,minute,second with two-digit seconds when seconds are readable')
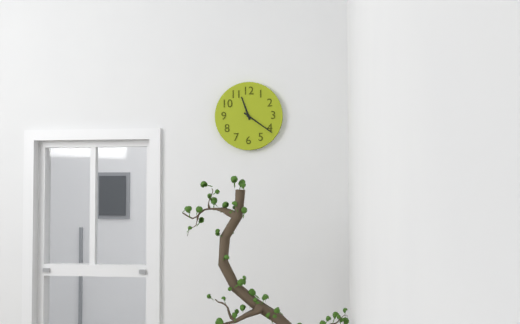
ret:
11,21
